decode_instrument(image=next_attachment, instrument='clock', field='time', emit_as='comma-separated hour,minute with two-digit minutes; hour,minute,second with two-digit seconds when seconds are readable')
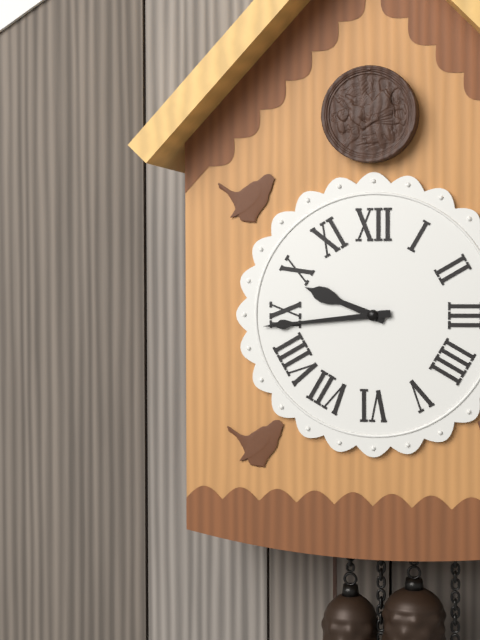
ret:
9,44
